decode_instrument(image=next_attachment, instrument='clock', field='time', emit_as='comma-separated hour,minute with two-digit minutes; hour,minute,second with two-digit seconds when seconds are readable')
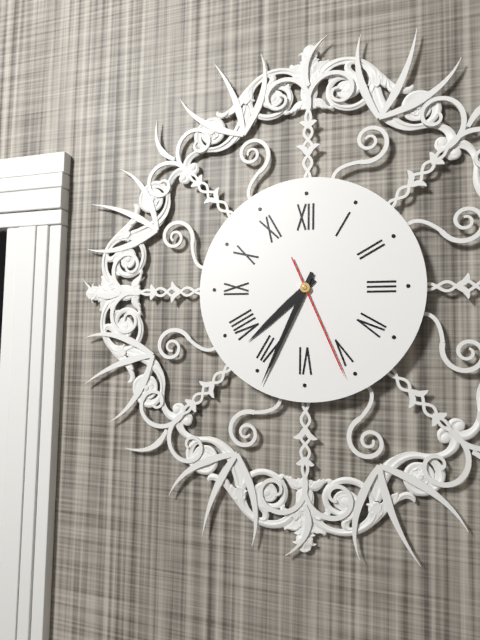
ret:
7,34,26
